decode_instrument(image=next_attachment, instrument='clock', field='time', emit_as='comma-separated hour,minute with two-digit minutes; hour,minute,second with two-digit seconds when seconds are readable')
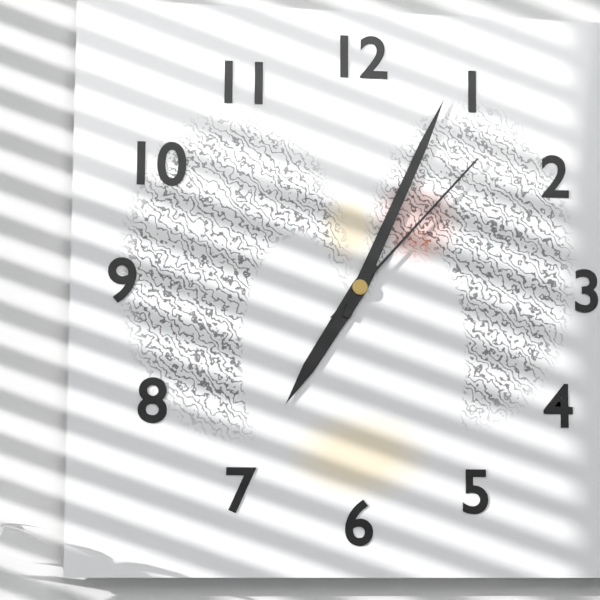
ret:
7,04,07
